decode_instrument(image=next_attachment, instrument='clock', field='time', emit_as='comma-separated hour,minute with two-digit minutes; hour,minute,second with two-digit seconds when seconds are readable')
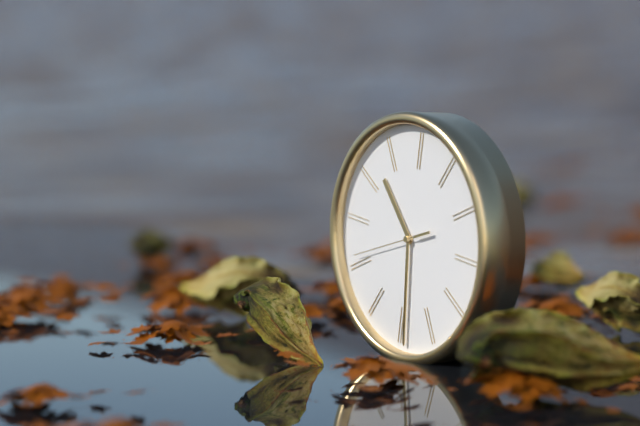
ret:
10,29,41
